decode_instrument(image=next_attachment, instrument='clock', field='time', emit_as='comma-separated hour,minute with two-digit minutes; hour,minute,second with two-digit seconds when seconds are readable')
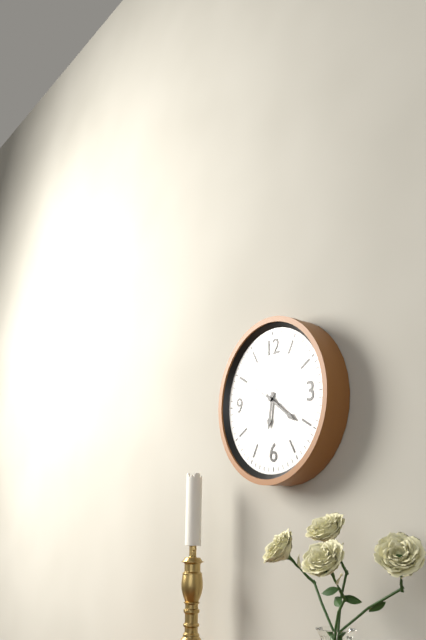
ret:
6,21
